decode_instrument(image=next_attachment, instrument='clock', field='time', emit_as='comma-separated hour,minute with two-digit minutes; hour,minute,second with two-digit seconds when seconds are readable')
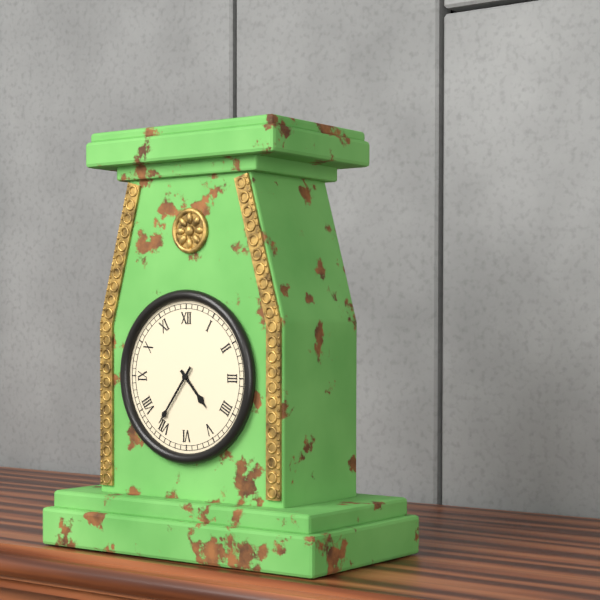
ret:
4,36
